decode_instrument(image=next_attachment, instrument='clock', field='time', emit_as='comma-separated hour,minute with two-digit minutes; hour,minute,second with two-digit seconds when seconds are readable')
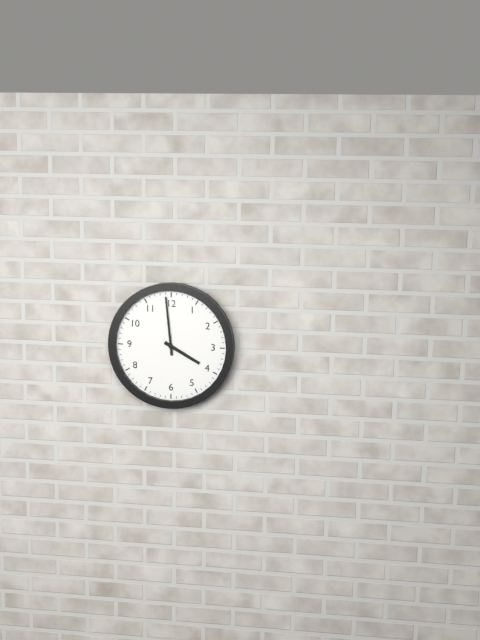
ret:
3,59
